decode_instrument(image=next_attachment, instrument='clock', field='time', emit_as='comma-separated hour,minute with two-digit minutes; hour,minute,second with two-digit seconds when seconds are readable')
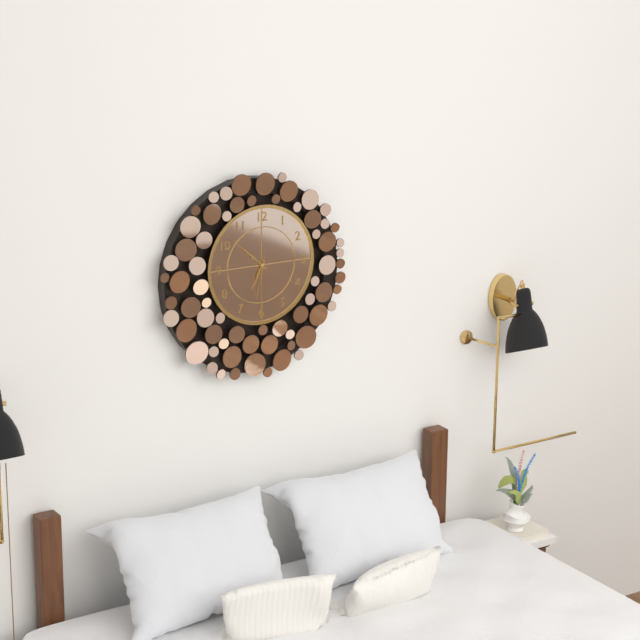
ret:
6,52
